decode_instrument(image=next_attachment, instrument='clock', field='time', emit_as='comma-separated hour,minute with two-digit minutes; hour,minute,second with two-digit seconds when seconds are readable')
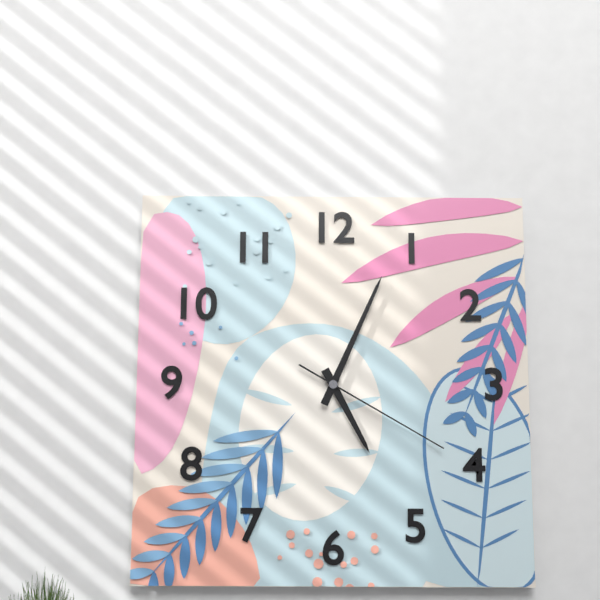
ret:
5,04,20
